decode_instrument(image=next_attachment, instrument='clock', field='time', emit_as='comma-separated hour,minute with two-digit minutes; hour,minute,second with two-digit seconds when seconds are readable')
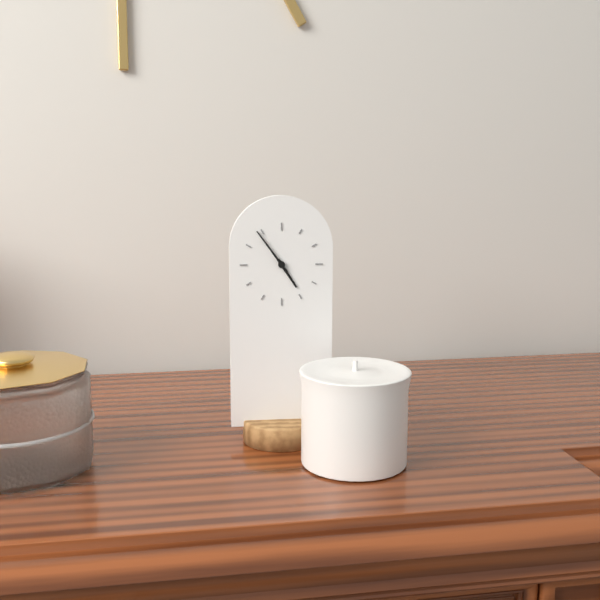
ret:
4,54
